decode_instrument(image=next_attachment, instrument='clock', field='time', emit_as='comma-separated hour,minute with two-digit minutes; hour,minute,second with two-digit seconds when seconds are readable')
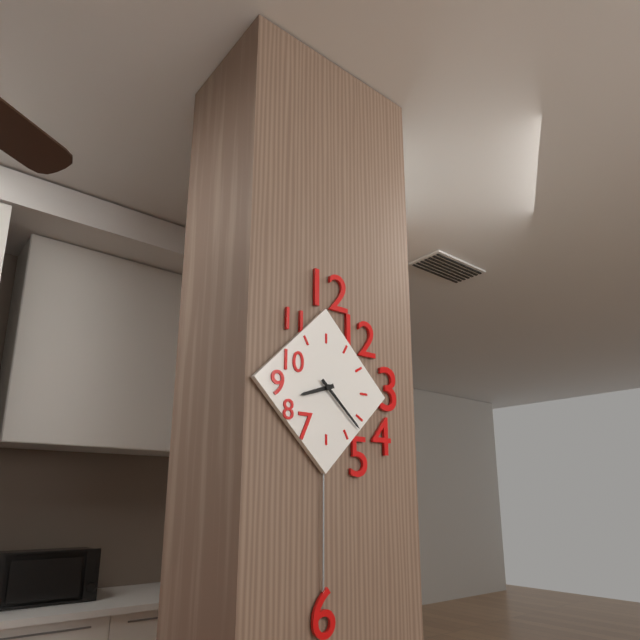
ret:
8,22
